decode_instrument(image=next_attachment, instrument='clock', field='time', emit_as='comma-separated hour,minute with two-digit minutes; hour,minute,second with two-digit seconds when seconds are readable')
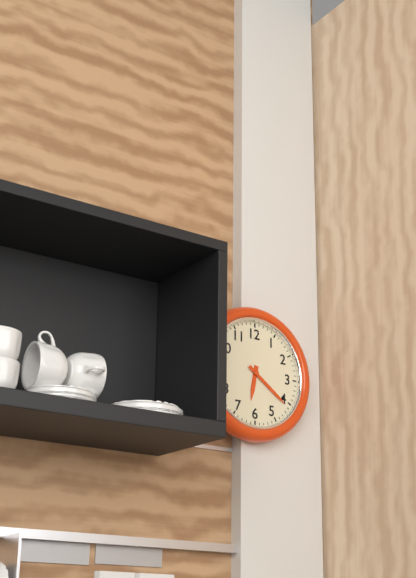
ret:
6,21
